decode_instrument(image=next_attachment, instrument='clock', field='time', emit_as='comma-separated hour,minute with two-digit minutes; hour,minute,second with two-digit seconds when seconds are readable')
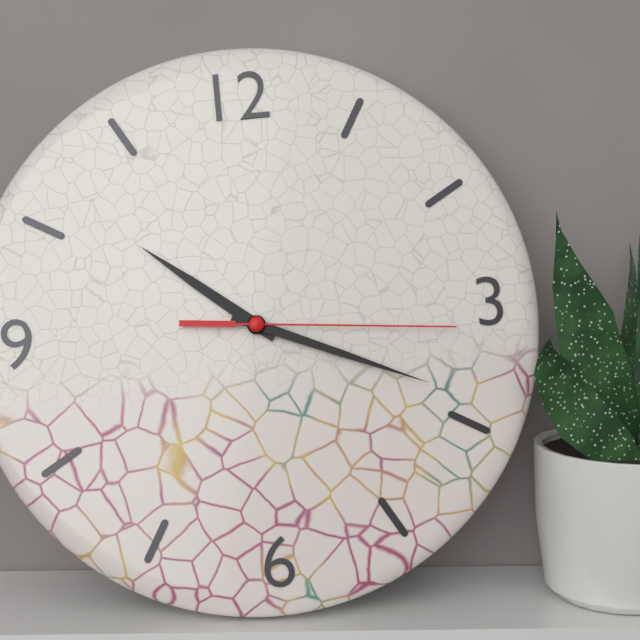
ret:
10,19,16
